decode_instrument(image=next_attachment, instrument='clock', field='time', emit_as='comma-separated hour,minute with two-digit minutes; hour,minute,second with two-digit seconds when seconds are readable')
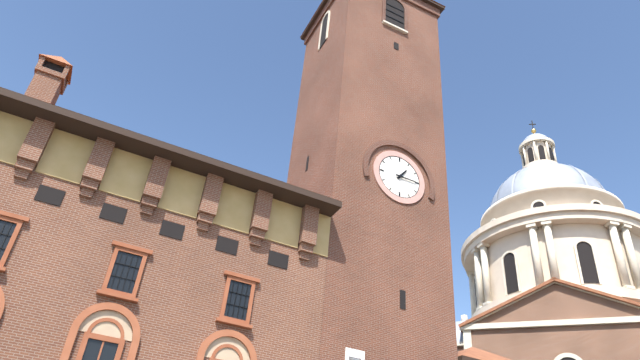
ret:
1,15
